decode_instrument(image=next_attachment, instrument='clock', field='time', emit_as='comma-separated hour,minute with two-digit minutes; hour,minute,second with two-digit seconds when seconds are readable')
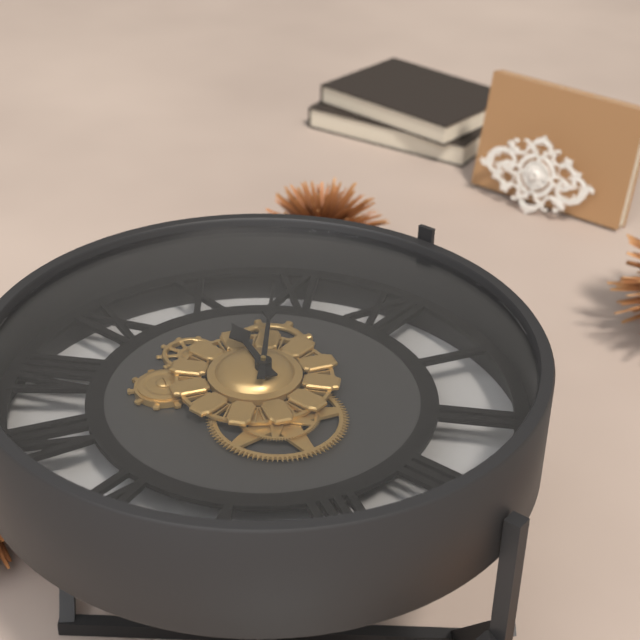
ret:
9,54
